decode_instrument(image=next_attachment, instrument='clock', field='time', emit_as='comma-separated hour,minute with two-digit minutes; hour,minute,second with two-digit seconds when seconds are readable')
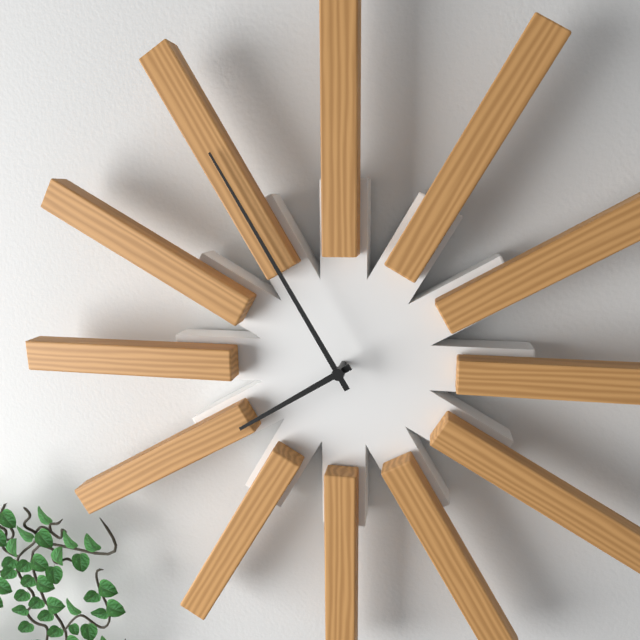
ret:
7,55
